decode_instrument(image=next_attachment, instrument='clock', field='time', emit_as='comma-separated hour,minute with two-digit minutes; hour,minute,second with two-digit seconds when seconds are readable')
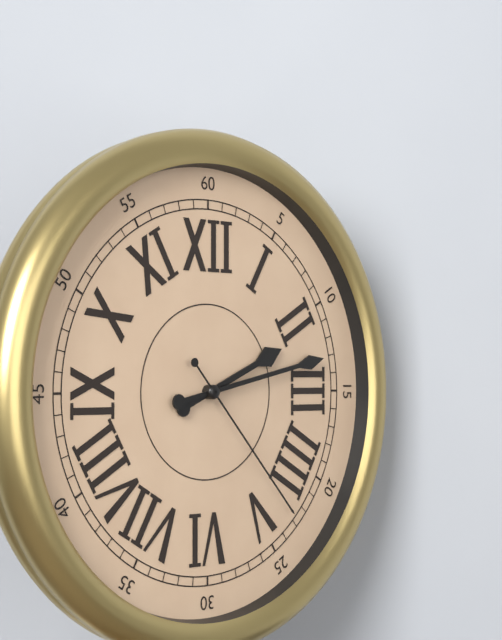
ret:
2,13,23
